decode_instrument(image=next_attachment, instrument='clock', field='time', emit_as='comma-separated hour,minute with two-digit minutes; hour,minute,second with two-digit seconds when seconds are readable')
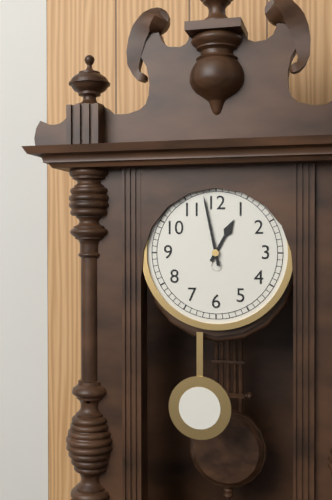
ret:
12,58
